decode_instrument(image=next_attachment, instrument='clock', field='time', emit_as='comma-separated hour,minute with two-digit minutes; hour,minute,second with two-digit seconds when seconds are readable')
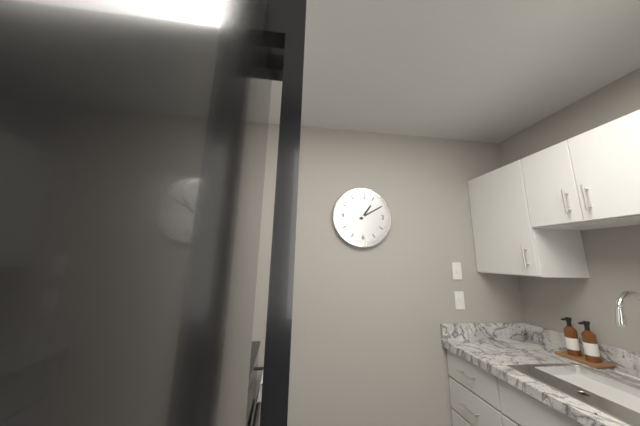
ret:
1,10
